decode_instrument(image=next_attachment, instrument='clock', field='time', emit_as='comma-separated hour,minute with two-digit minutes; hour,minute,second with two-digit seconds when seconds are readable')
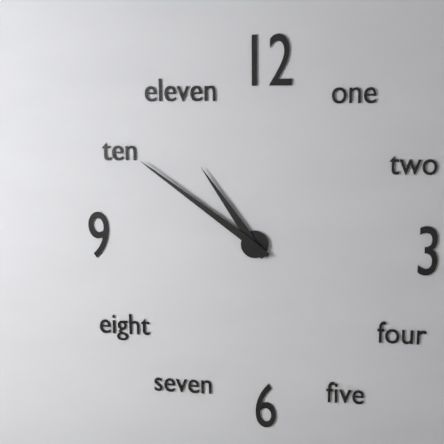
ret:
10,51
